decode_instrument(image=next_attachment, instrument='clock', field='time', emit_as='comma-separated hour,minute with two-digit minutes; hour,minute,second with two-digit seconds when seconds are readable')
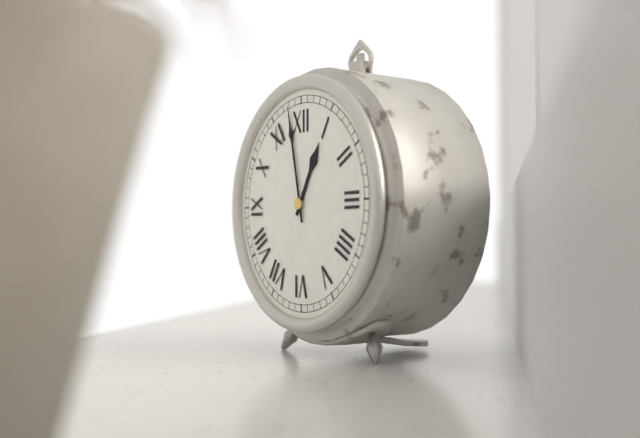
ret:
12,58
